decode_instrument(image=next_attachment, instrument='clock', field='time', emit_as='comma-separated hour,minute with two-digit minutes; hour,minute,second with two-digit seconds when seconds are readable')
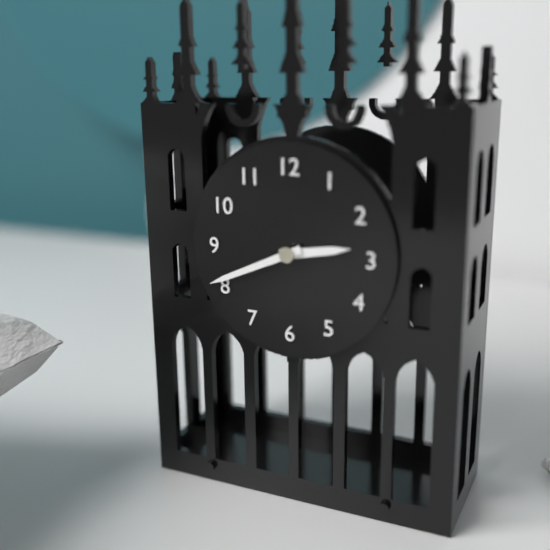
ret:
2,41
